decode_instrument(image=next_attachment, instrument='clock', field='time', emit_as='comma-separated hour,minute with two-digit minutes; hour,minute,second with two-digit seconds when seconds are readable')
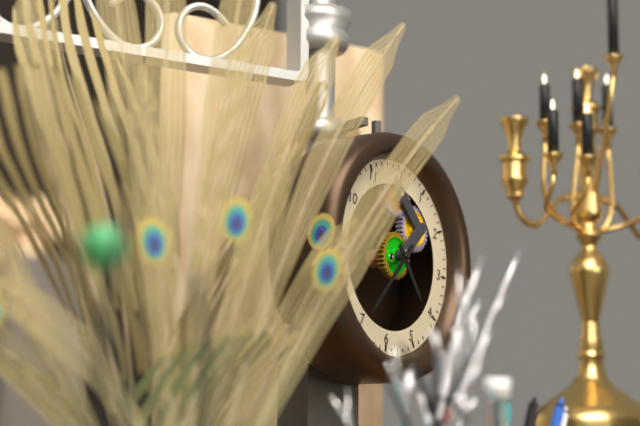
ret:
4,36
